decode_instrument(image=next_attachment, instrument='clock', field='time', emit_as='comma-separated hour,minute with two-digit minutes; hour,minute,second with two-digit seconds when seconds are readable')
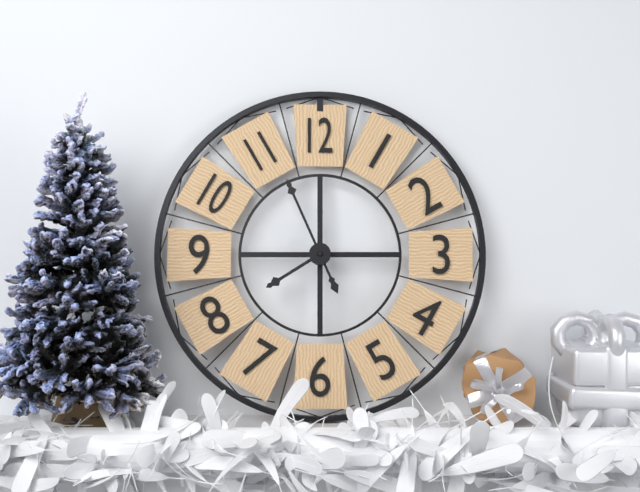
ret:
7,56
